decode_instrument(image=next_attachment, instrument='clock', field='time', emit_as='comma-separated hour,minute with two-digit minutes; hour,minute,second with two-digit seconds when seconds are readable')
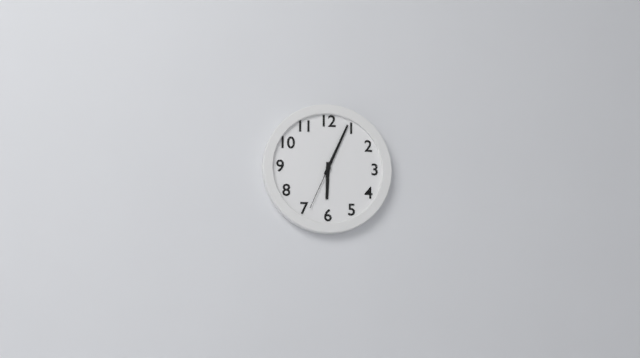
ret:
6,04,34
